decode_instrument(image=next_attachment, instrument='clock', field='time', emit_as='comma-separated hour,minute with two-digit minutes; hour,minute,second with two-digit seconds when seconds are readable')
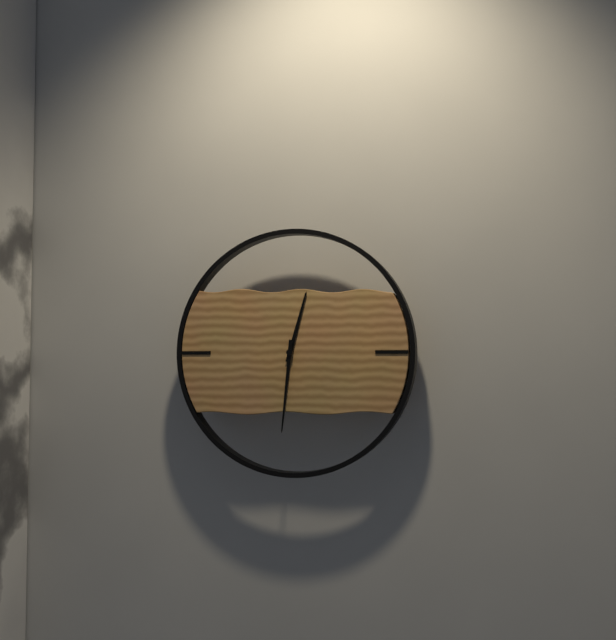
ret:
12,31
